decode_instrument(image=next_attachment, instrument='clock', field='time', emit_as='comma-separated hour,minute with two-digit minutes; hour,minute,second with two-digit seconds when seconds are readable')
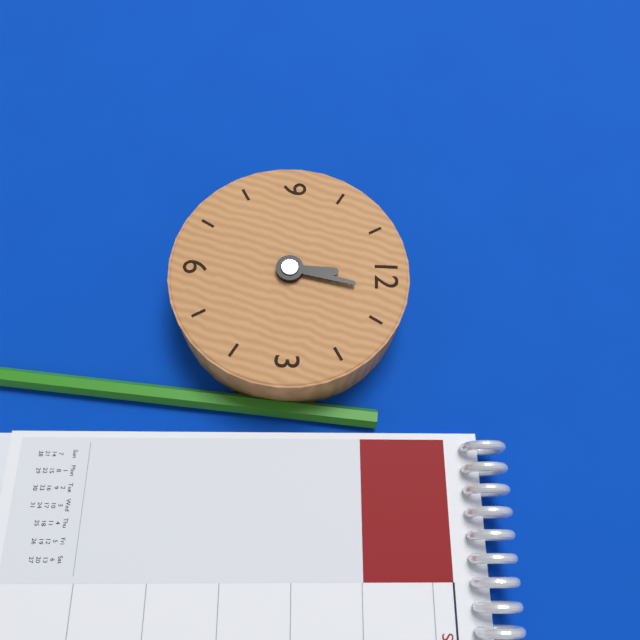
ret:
12,02
